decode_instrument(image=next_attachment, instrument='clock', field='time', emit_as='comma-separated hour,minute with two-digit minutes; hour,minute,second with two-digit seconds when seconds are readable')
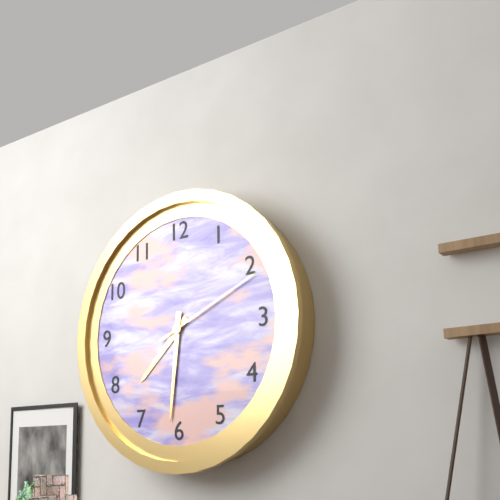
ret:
7,31,11
